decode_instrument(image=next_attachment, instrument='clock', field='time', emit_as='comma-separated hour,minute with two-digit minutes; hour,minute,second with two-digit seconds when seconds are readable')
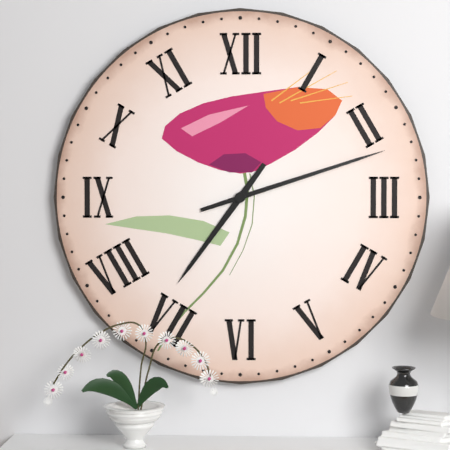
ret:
7,12
